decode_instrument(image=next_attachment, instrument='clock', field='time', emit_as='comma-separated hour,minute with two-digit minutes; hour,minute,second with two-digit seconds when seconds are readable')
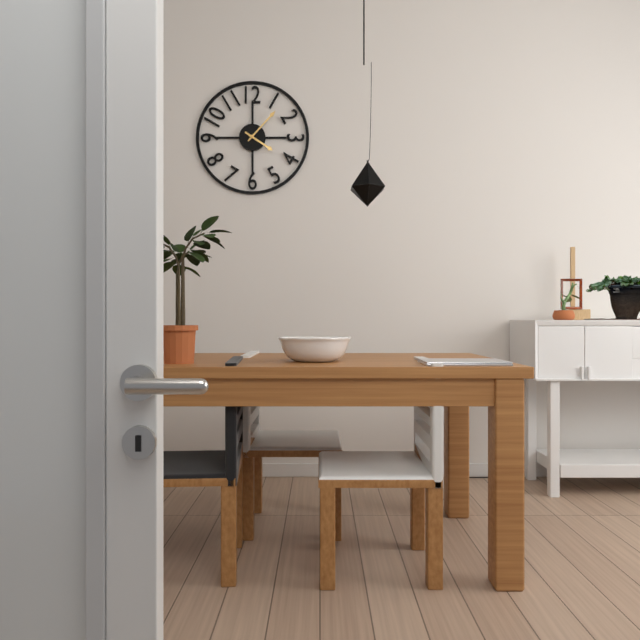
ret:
4,07
